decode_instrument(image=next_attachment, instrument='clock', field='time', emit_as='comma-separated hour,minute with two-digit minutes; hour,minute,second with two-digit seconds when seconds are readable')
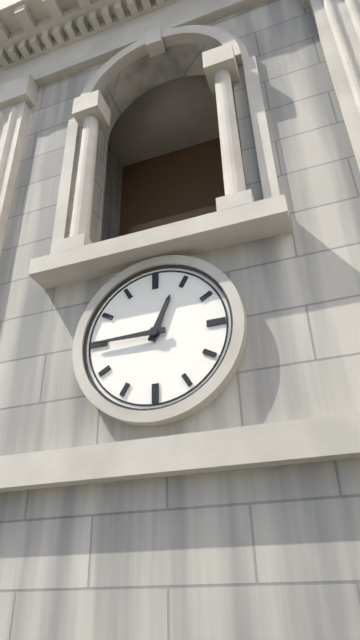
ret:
12,45
